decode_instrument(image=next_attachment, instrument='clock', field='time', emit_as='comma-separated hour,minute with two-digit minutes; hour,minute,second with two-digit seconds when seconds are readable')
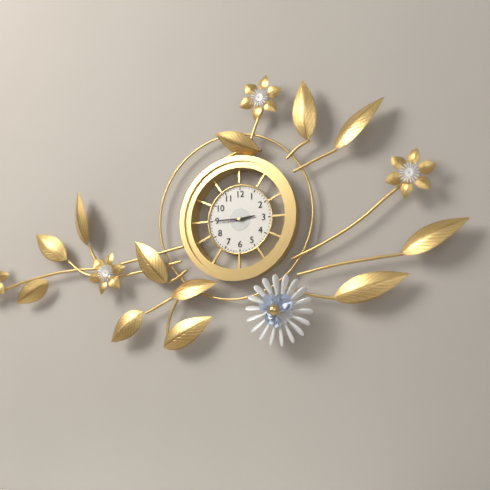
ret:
2,45
